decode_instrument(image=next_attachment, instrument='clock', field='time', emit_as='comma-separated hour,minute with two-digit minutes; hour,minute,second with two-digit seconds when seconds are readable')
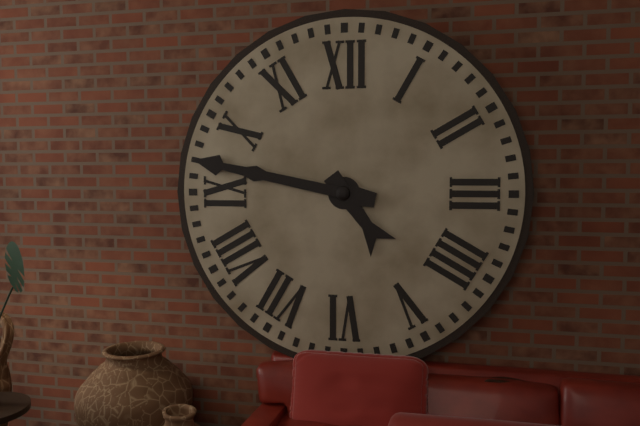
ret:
4,47
